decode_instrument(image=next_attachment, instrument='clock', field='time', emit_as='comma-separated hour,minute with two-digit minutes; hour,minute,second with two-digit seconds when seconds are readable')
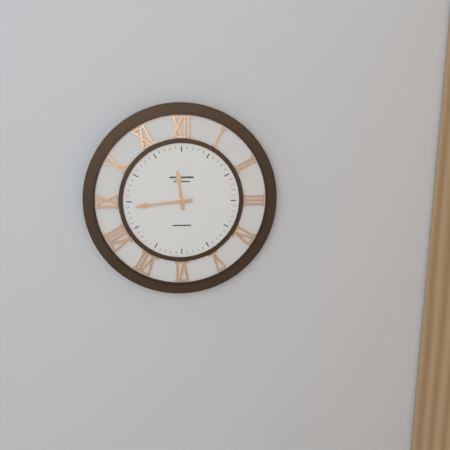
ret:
11,44
